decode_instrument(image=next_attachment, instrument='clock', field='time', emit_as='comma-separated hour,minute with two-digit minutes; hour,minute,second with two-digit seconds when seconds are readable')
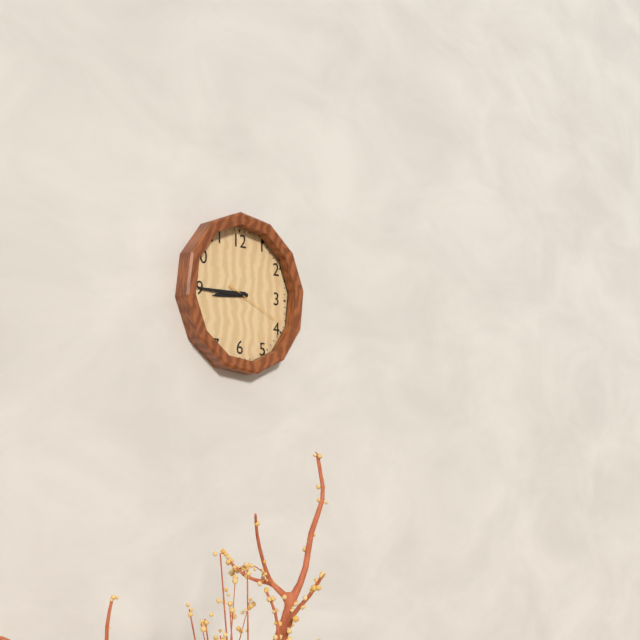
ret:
8,45,19
